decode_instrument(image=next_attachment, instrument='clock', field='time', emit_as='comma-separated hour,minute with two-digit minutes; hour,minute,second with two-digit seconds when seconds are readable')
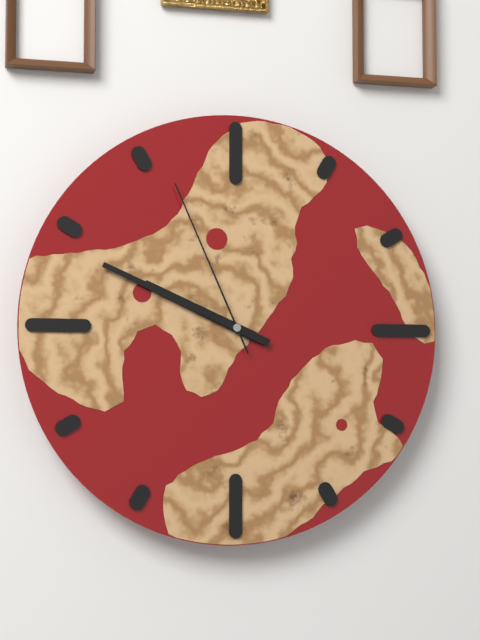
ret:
9,49,56
